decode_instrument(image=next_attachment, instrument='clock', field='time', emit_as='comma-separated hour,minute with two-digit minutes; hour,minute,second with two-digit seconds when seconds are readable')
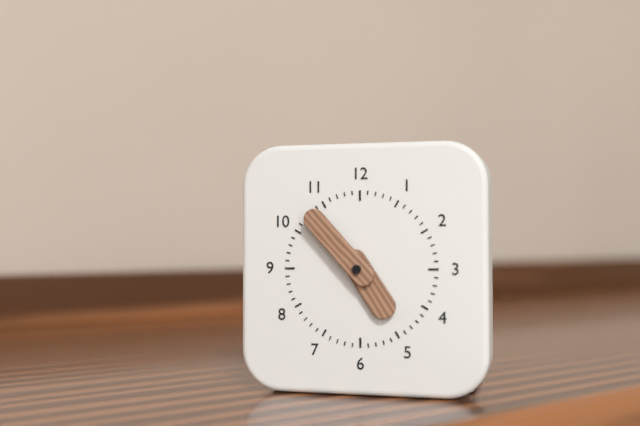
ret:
4,53
